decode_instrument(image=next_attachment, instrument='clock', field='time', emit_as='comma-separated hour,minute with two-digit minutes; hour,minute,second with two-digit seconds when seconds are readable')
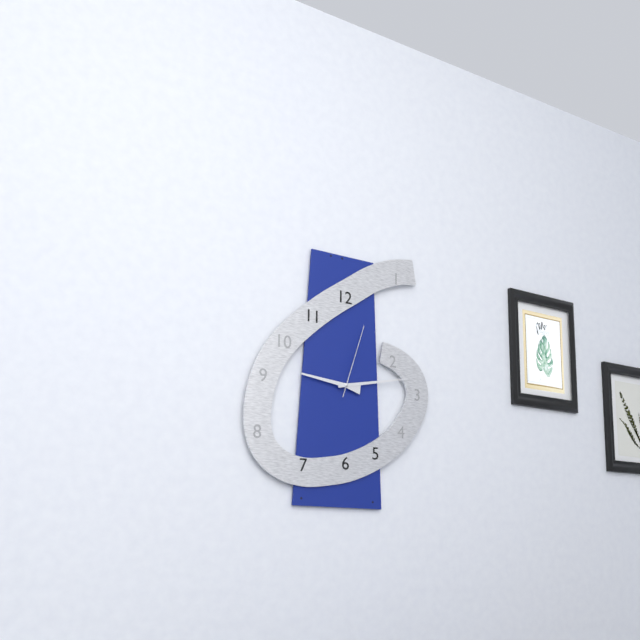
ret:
9,13,03
